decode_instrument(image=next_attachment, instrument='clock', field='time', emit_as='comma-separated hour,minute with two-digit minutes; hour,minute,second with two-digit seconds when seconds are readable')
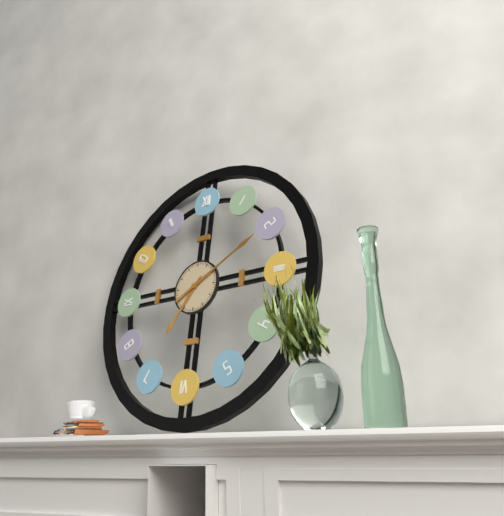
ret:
7,10
